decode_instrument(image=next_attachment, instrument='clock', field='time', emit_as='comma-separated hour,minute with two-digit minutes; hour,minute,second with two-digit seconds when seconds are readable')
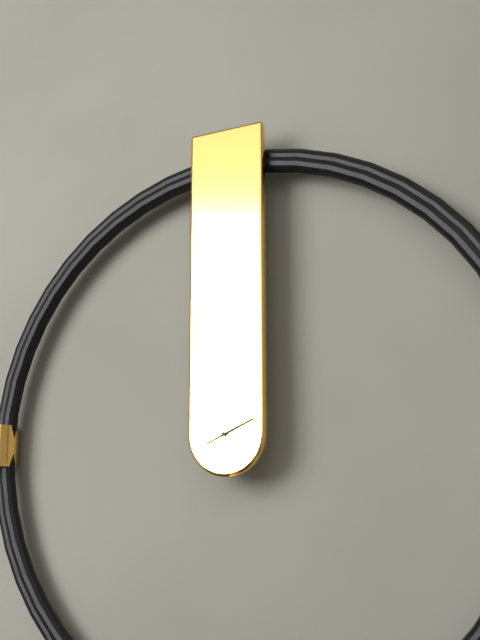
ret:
8,11
